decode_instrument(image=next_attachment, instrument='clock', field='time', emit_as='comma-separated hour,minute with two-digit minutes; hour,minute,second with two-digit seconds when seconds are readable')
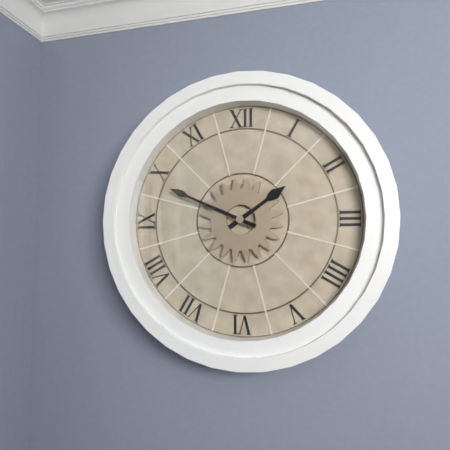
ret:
1,49
